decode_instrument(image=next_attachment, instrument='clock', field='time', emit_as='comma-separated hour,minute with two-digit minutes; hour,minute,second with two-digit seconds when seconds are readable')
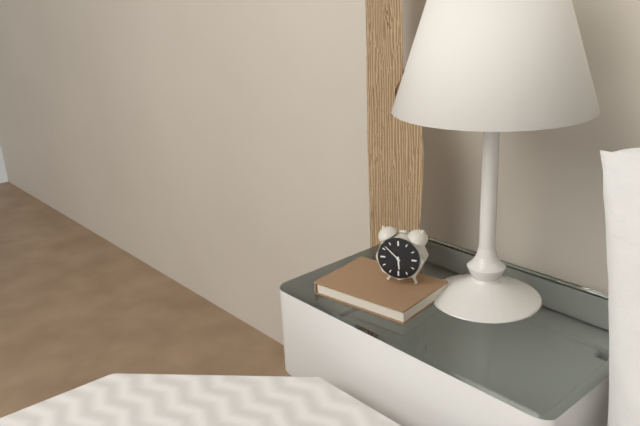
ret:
5,52
